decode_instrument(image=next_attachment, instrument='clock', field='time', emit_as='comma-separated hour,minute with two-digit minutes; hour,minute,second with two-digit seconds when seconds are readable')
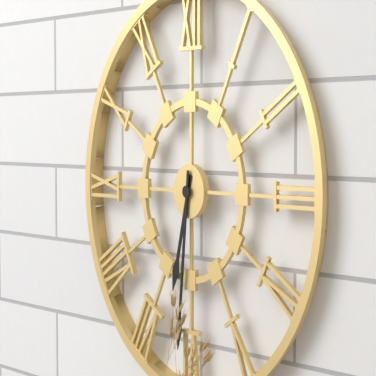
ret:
6,31
